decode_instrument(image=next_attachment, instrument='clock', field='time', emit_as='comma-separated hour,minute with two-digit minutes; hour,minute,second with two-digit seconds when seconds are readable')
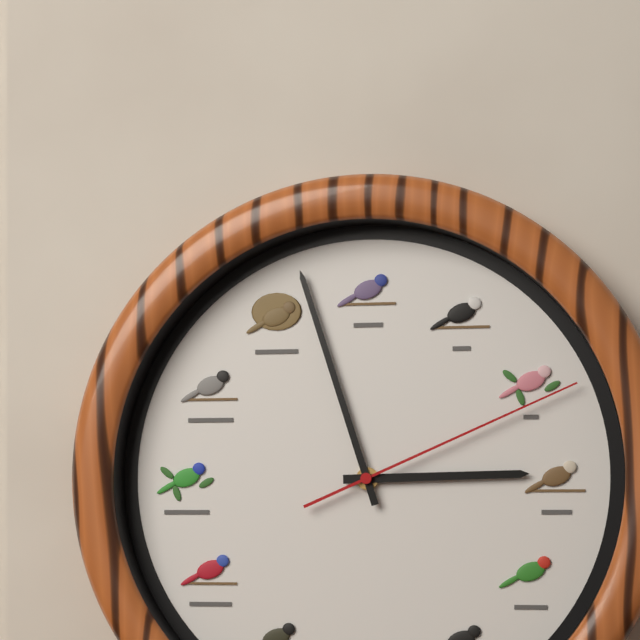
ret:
2,57,11
